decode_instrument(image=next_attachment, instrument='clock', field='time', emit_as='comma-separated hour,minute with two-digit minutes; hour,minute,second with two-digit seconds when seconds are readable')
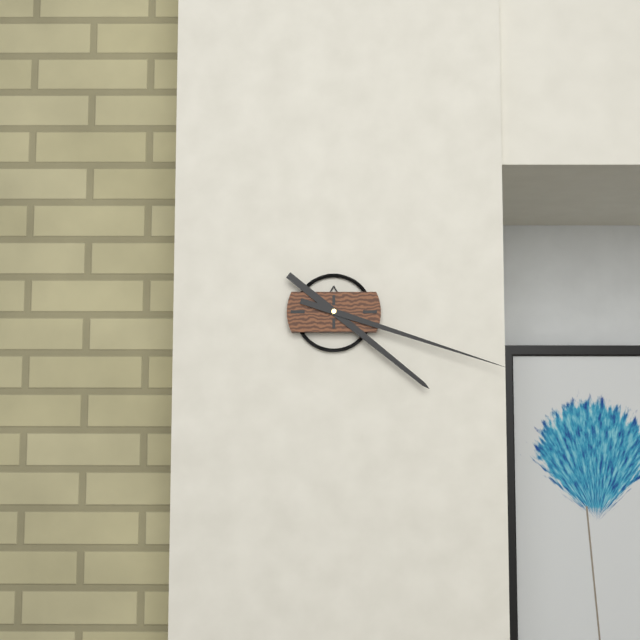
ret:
4,18
